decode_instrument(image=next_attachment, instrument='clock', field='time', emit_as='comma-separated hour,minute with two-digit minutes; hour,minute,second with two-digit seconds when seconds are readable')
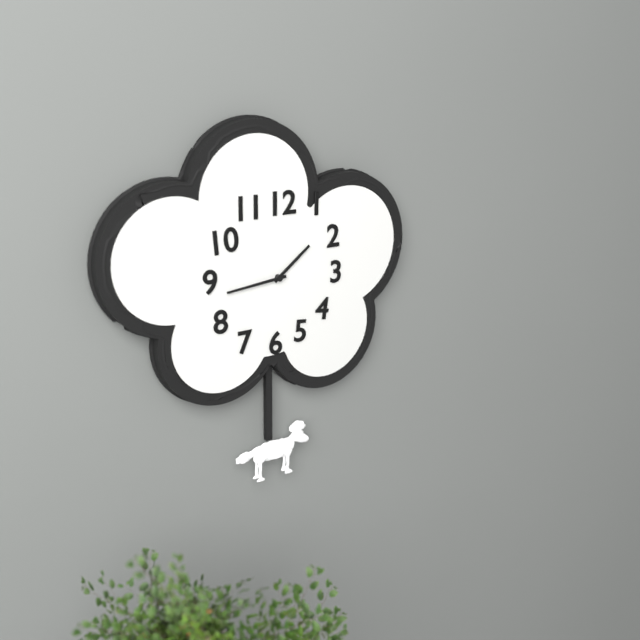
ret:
1,44
